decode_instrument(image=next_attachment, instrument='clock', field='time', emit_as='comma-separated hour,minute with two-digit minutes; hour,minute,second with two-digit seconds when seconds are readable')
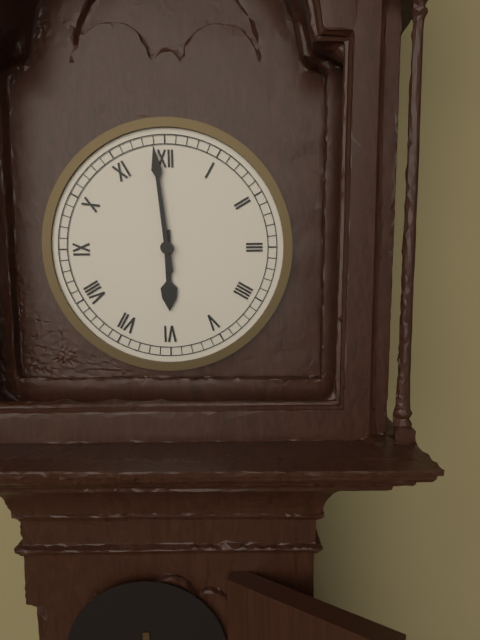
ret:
5,59
